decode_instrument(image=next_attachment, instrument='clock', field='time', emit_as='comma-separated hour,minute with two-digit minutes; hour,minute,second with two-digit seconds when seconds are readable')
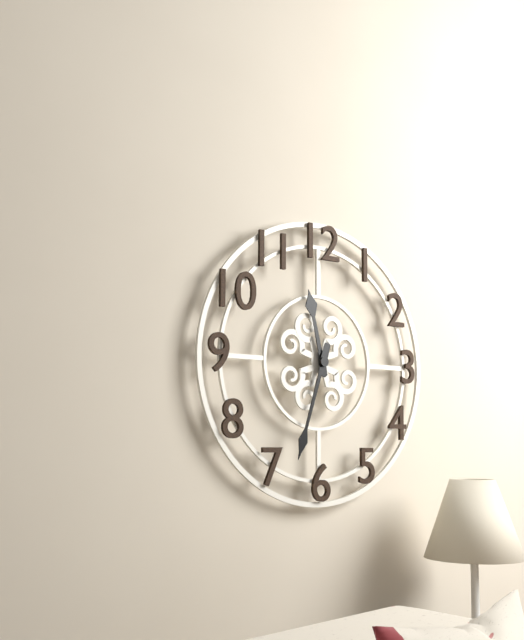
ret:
11,33
